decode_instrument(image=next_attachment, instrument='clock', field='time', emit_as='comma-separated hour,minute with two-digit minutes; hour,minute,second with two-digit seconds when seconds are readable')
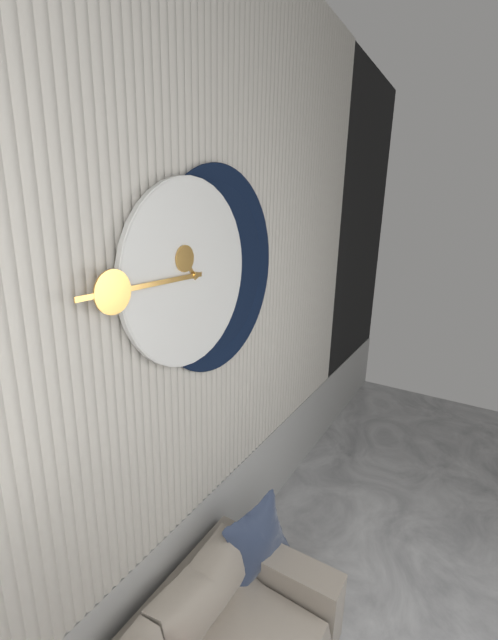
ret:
10,45
